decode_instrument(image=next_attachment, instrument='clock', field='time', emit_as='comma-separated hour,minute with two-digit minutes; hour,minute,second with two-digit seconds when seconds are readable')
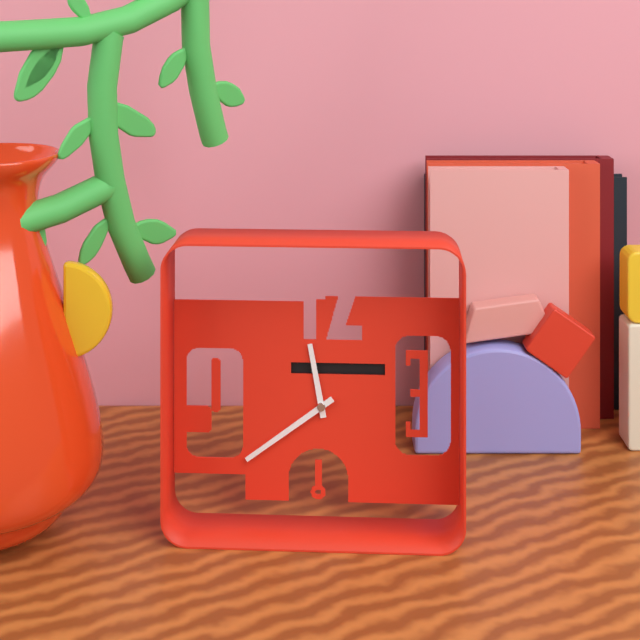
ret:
11,39
